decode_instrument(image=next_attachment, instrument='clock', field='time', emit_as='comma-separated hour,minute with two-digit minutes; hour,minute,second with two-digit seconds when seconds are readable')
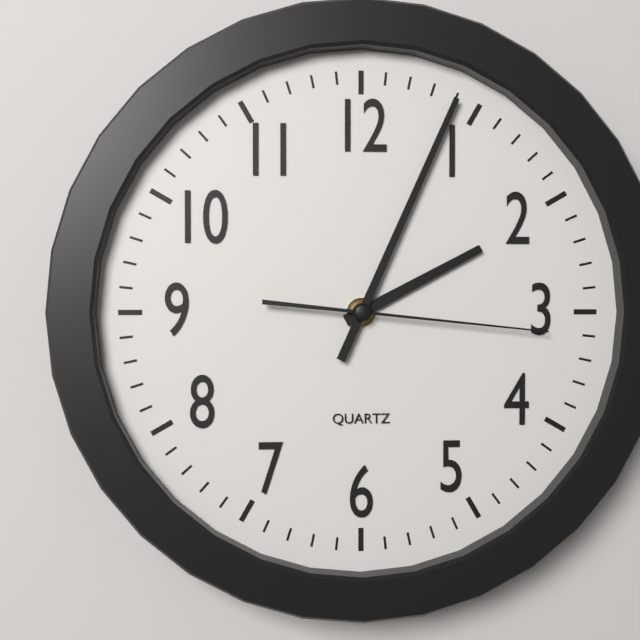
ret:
2,04,16
